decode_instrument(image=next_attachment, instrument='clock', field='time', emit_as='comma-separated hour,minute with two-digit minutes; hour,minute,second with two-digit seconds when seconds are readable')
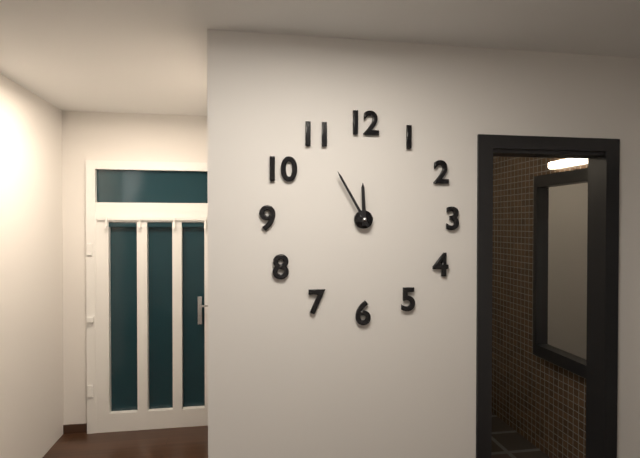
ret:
11,55
